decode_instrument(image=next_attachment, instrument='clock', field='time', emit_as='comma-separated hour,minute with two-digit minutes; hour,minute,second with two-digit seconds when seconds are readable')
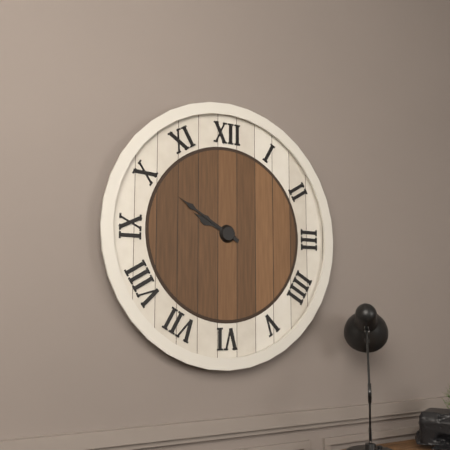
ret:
9,50
